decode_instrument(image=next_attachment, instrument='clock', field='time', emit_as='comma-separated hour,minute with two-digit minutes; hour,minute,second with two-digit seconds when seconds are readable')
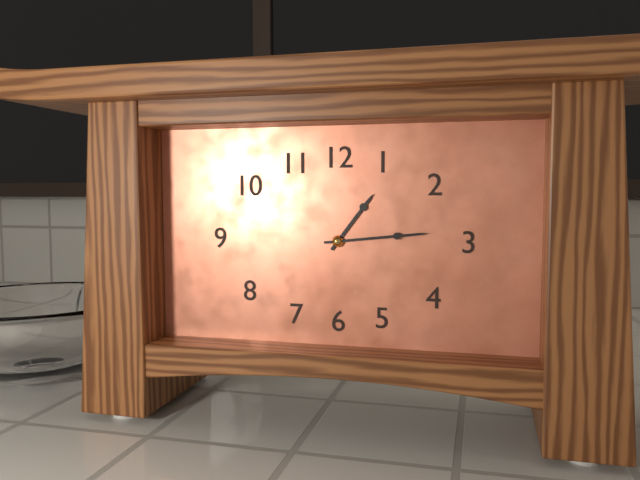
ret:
1,14
